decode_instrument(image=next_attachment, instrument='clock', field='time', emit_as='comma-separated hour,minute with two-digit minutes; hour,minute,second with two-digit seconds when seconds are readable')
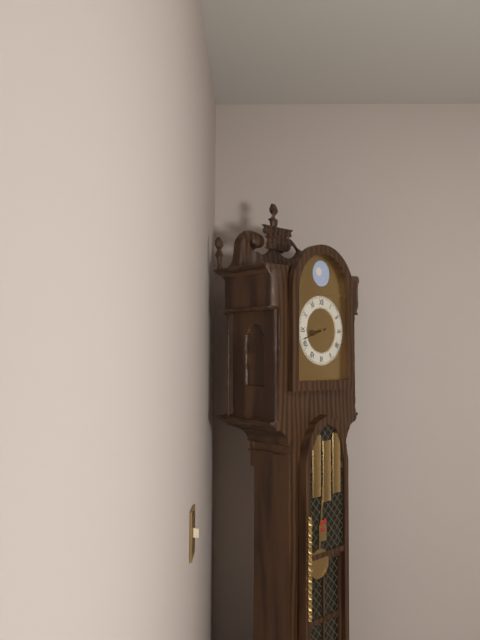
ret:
8,42
